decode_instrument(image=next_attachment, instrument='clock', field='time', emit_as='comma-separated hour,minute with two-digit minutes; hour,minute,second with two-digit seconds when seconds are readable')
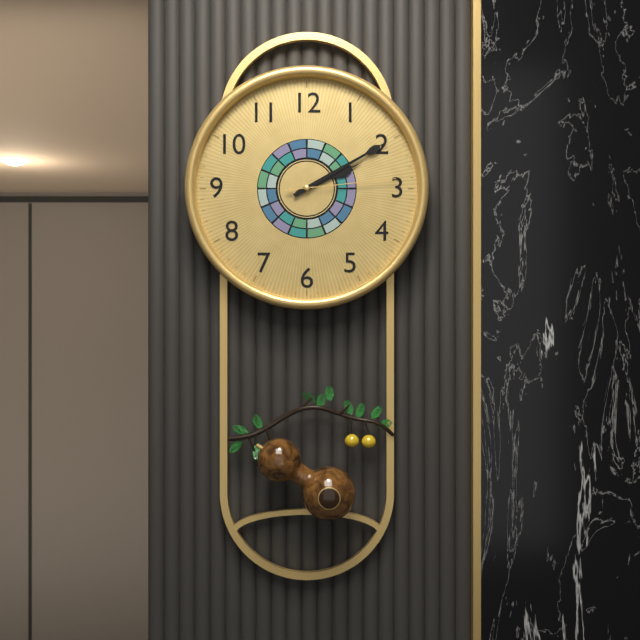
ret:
2,10,14
